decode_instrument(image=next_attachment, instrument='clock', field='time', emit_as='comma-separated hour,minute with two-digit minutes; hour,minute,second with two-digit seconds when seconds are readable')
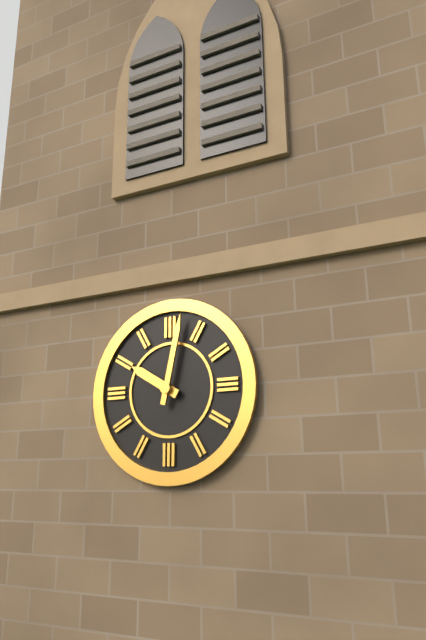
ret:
10,02
